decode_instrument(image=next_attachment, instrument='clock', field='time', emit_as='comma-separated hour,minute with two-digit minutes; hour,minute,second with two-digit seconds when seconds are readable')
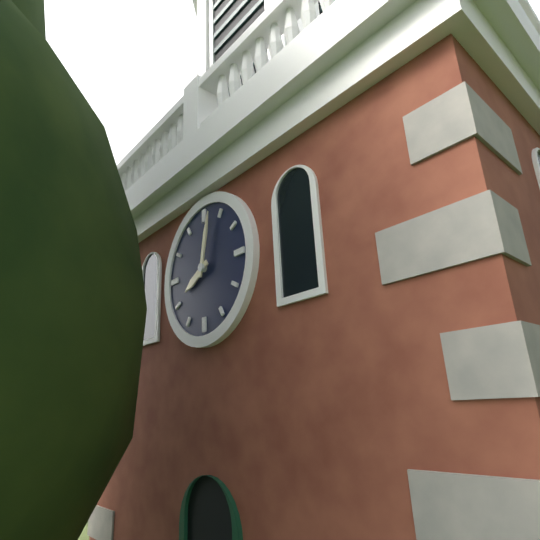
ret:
8,02
